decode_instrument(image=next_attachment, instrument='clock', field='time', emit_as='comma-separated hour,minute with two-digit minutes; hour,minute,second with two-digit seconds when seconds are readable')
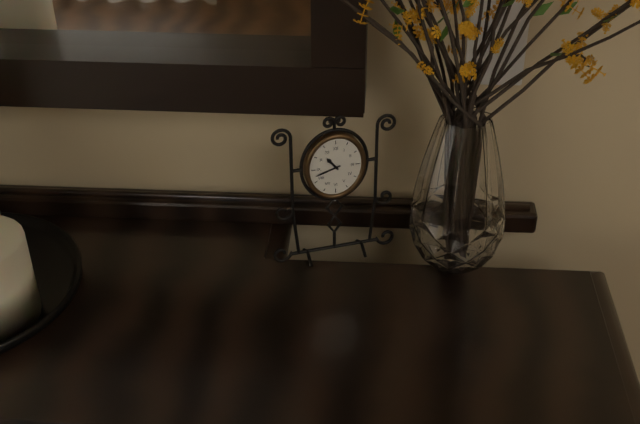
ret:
10,42
